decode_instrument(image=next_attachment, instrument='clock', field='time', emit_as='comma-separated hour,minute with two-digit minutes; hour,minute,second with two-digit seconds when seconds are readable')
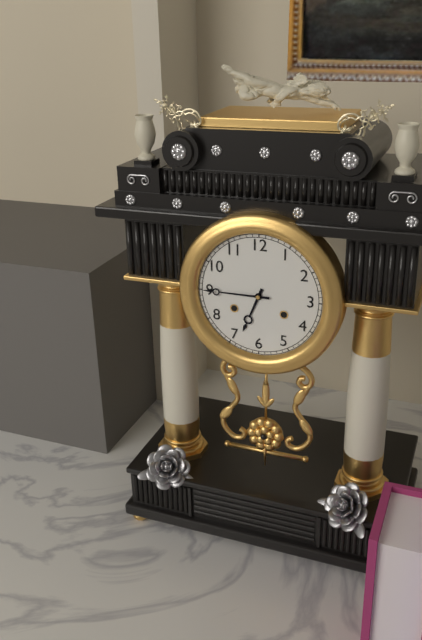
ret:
6,45
